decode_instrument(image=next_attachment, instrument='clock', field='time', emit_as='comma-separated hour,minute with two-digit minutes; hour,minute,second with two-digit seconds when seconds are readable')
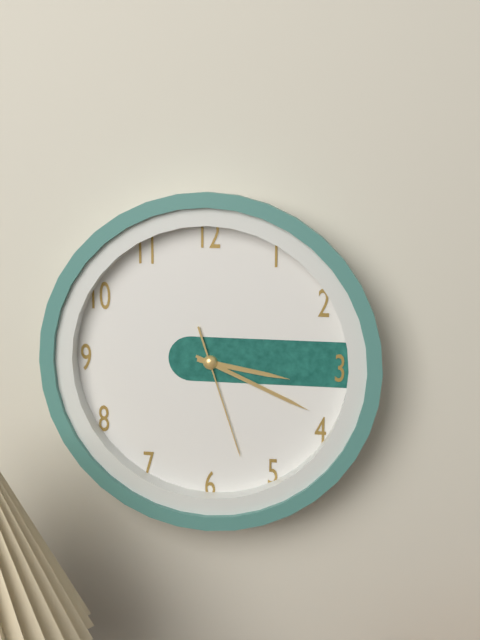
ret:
3,19,27
